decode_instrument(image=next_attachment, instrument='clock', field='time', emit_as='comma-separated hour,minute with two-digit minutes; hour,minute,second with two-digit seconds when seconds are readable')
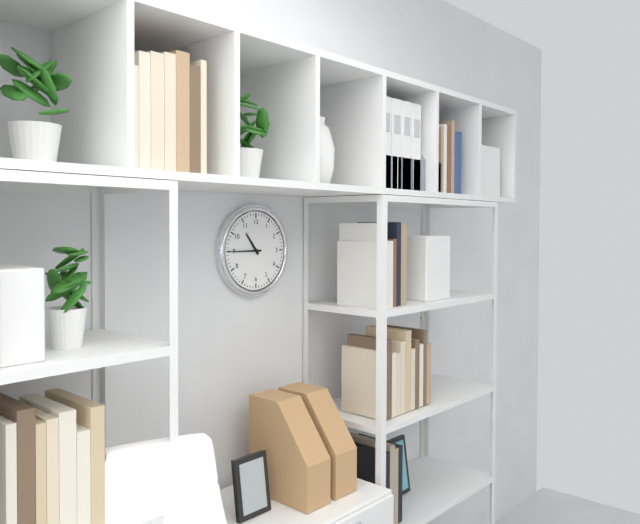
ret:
10,45
